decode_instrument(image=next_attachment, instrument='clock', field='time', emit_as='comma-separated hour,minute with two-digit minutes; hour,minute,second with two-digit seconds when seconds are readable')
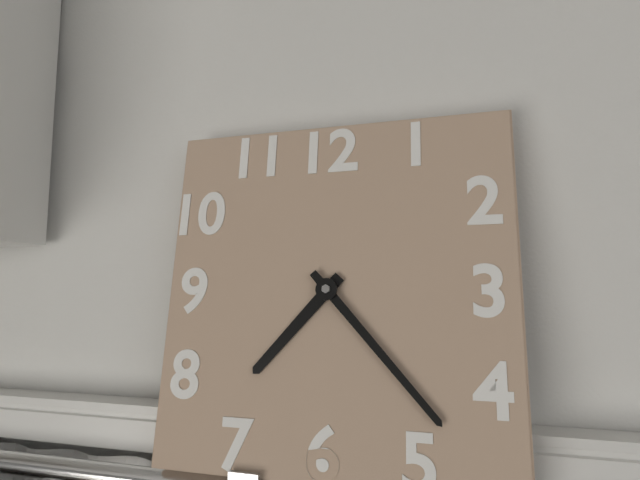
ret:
7,23
